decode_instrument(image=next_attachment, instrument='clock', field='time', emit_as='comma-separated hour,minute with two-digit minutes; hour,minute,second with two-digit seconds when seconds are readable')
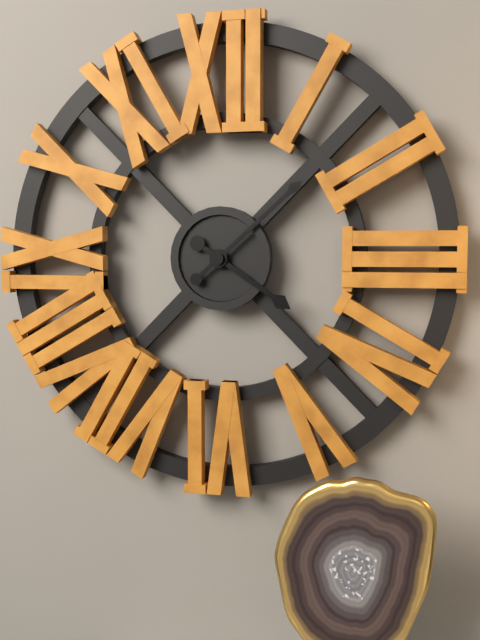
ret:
4,08
